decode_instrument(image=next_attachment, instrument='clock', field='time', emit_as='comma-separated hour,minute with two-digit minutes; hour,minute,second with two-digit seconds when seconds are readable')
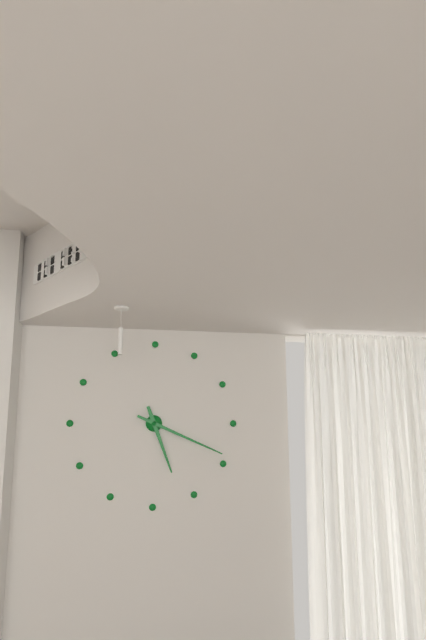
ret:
5,19
